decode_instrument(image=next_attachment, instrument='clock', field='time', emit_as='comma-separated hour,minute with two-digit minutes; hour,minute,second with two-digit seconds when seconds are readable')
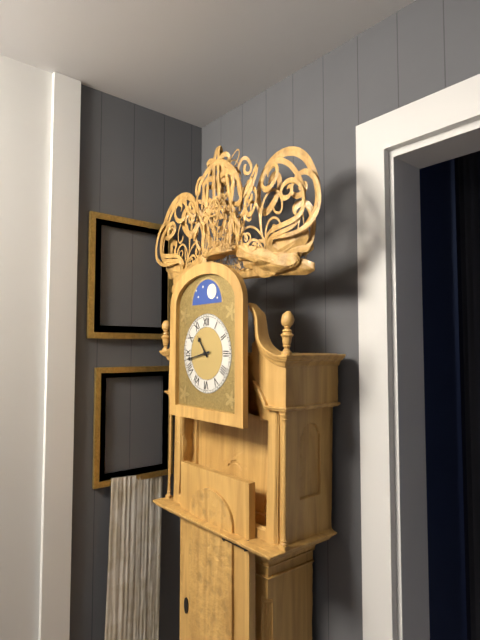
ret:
10,43
